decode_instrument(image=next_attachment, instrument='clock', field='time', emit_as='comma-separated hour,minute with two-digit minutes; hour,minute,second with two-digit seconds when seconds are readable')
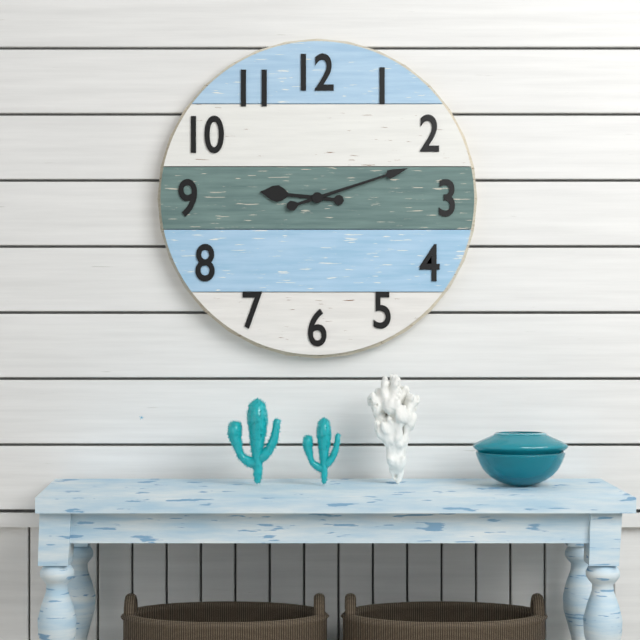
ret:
9,12
